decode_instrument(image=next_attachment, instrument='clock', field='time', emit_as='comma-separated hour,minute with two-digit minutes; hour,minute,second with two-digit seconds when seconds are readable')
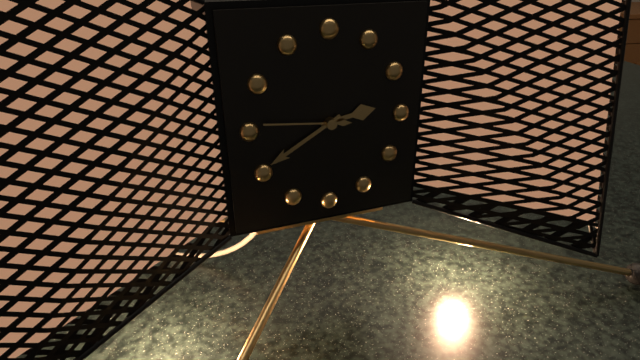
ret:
2,40,46
